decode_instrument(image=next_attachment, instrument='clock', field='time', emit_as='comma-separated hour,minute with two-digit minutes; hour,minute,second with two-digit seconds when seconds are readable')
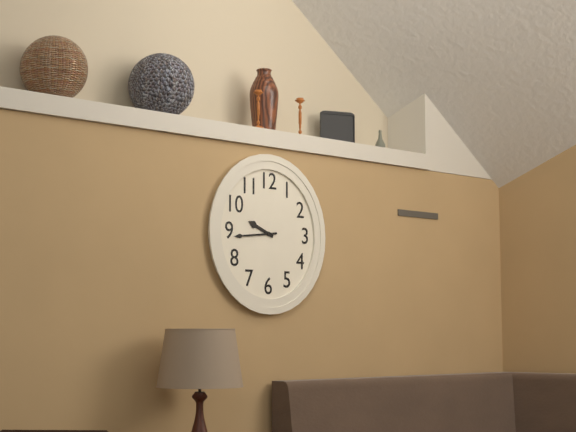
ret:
9,44
